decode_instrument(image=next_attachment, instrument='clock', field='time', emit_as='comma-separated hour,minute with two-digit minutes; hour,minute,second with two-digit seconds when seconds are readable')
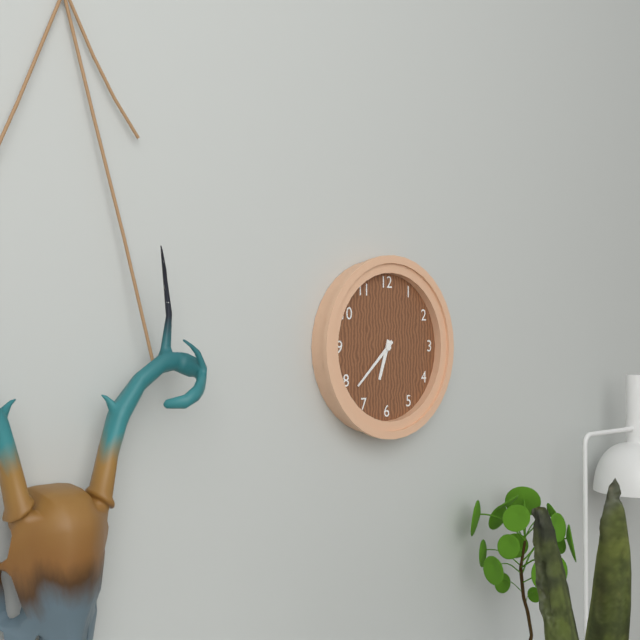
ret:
6,38
